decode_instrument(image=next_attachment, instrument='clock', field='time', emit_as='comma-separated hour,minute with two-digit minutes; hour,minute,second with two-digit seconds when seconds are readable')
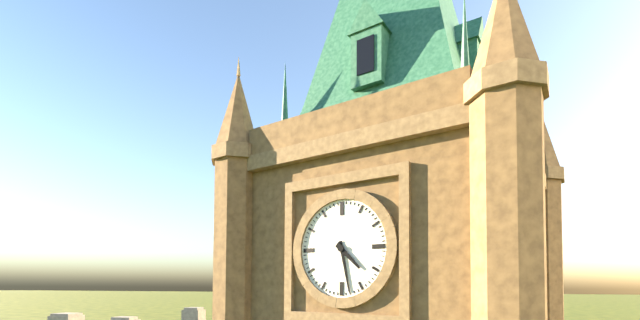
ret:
4,28
